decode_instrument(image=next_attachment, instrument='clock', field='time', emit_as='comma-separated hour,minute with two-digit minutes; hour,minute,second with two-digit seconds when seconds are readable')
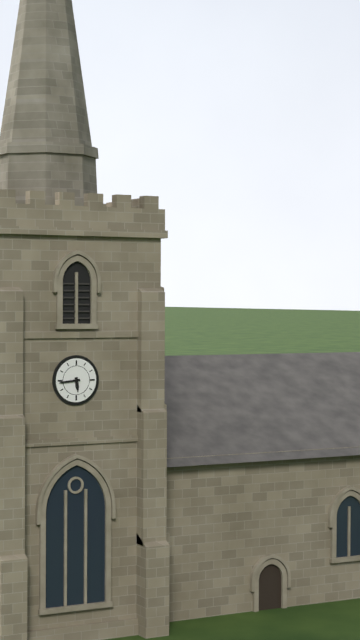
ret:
5,44
